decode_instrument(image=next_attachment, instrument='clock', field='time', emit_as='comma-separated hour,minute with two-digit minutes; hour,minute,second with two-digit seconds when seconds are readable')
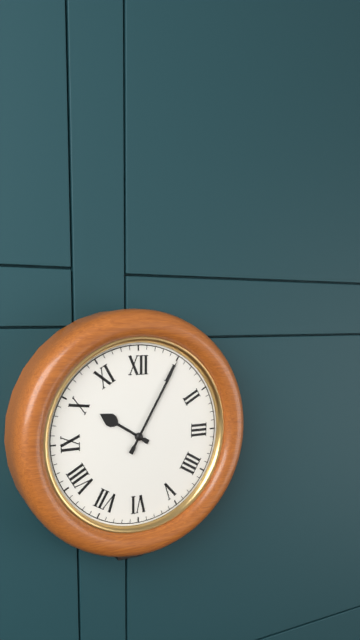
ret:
10,05
